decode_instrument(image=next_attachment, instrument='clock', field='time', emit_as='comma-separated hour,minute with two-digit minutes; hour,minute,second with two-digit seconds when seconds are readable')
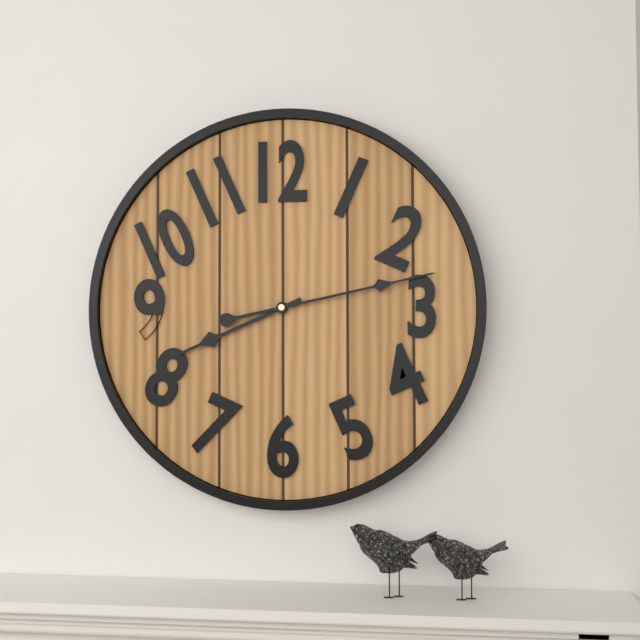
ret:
8,13
